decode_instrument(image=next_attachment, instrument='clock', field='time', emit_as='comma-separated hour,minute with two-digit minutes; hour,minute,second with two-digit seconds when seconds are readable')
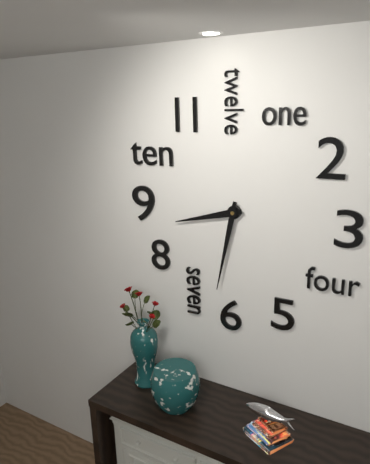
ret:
8,32
